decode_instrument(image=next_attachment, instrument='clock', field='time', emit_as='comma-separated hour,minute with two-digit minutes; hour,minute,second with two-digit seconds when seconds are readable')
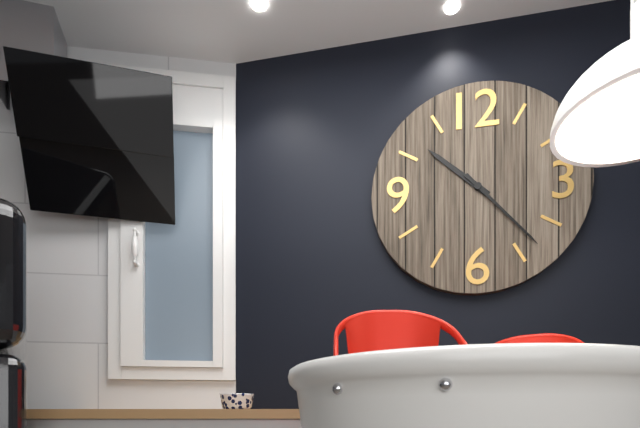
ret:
10,23
